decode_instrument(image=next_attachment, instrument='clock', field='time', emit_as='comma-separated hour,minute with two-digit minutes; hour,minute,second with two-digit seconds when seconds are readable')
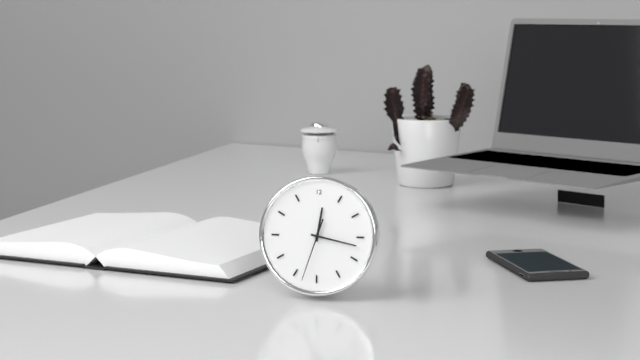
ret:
12,17,33
